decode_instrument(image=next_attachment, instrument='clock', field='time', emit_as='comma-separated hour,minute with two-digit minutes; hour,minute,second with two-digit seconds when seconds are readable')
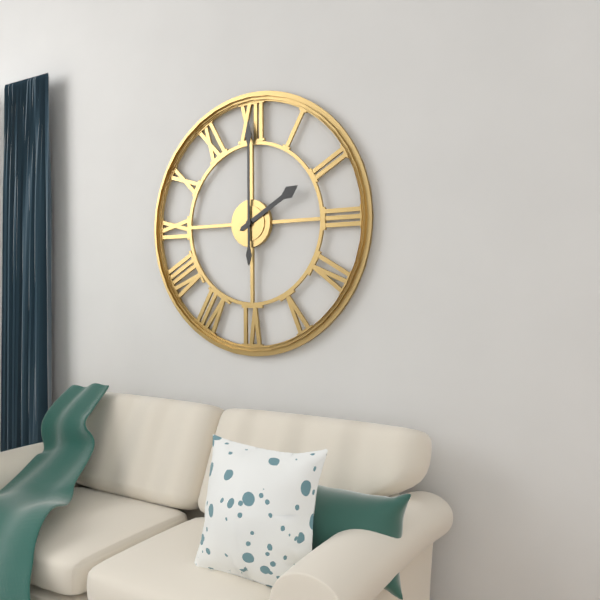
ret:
2,00
